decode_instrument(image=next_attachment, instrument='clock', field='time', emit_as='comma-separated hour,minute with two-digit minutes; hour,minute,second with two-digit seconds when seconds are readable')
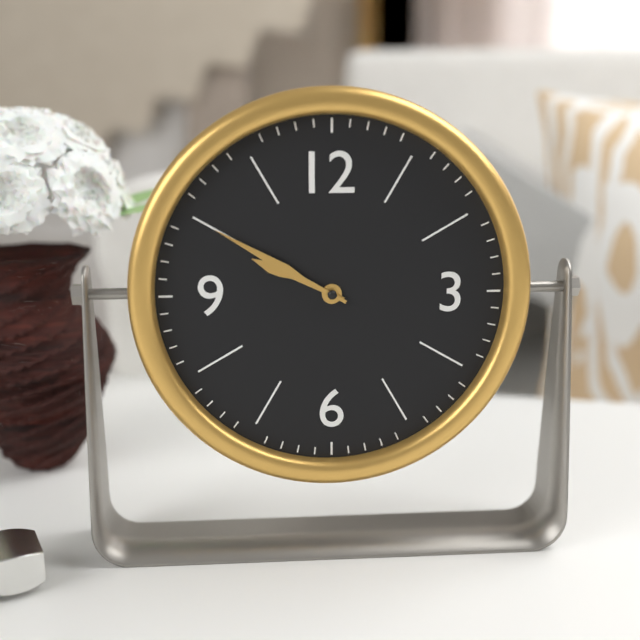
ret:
9,50
